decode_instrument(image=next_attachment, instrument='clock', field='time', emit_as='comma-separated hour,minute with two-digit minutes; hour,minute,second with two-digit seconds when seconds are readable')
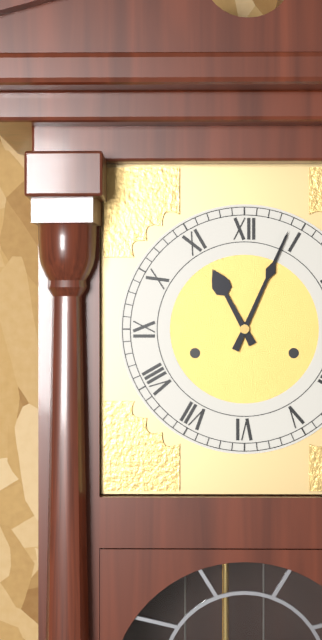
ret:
11,04
